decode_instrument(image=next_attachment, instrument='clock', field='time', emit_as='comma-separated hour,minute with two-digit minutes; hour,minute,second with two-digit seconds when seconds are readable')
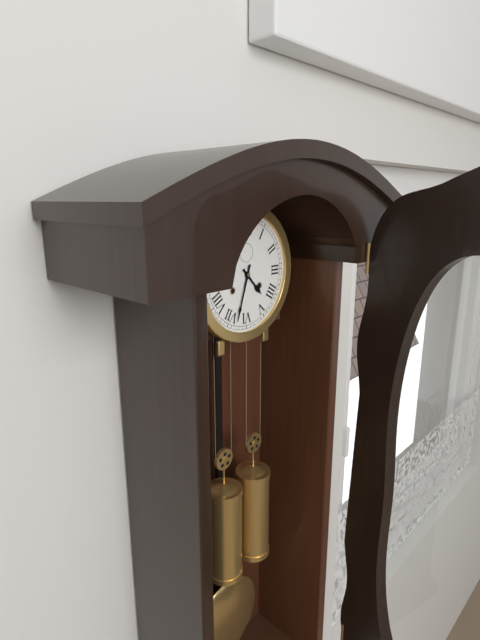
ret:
4,33
